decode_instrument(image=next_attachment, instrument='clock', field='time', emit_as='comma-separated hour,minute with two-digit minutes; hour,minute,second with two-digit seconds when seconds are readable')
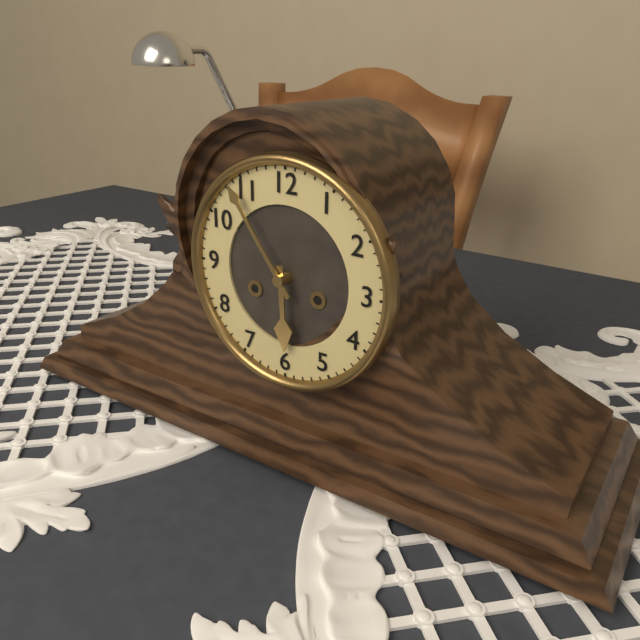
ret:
5,54
